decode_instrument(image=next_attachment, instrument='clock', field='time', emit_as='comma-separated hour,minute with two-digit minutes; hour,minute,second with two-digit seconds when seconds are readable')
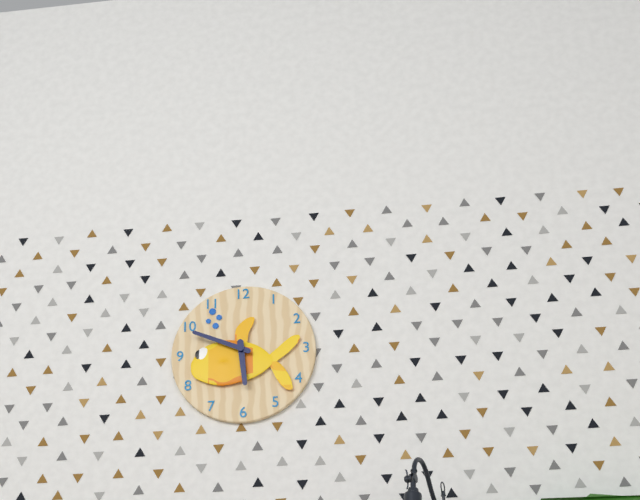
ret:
5,49
